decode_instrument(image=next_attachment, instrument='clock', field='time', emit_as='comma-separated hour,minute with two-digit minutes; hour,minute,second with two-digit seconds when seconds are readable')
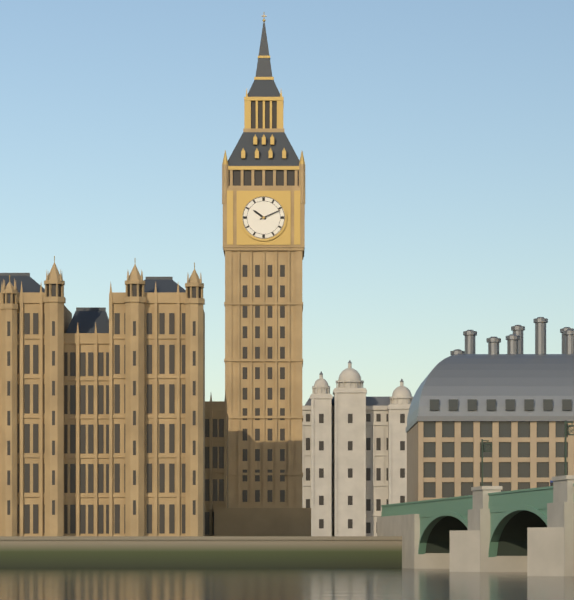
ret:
10,11
